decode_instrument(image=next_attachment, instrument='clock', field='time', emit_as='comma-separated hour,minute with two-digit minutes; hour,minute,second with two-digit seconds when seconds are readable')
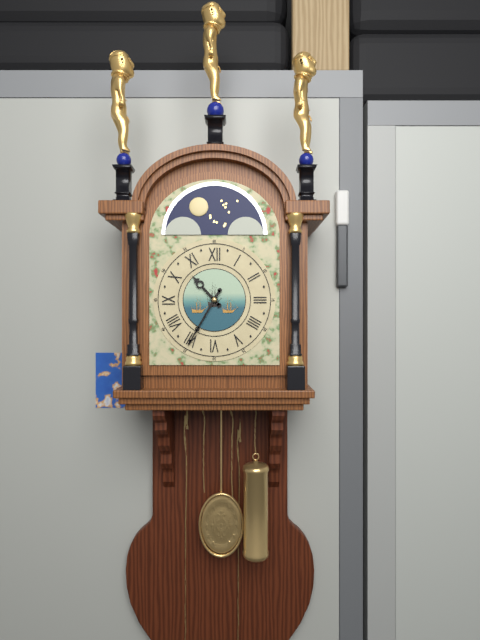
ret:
10,35
